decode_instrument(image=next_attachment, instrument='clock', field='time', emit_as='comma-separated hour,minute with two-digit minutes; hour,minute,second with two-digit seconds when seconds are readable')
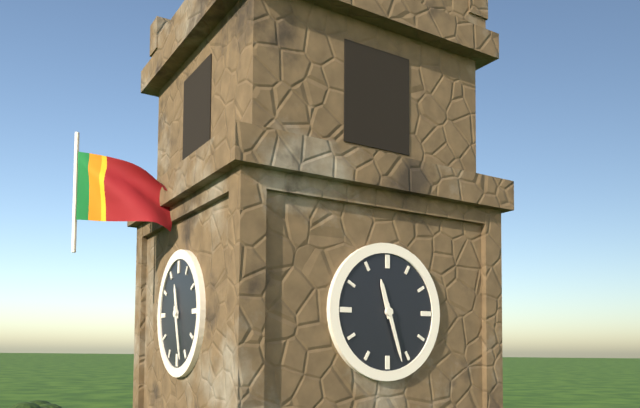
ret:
11,27
